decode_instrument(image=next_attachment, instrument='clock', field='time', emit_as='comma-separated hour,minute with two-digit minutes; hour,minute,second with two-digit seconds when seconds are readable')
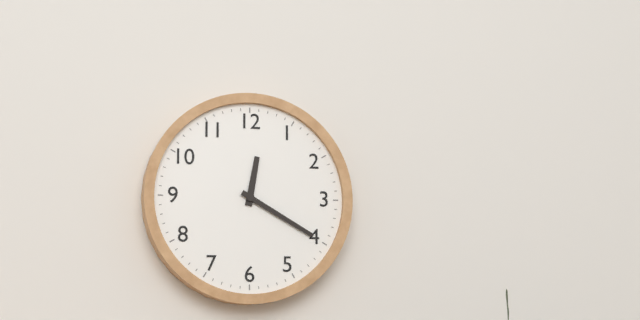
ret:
12,20
